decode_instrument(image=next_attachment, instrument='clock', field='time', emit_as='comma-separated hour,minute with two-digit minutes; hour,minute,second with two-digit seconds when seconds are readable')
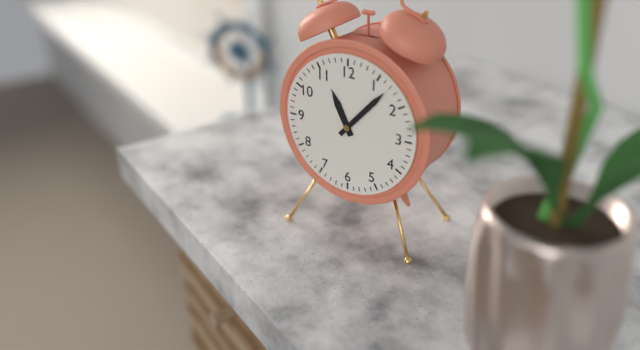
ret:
11,07
